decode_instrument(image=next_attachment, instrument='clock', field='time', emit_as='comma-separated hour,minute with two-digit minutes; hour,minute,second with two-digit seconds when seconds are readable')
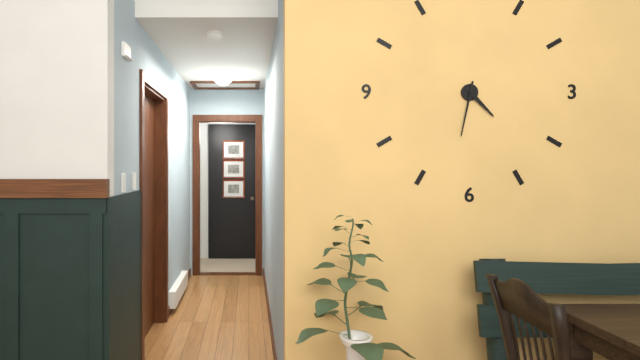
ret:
4,32
